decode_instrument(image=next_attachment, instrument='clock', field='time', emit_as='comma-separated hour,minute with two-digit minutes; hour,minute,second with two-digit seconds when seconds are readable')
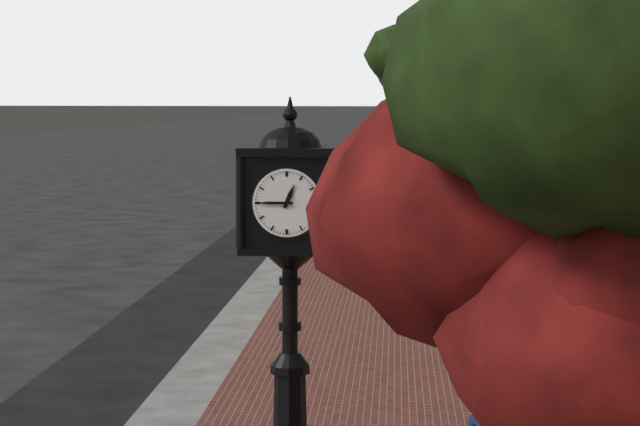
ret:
12,45
